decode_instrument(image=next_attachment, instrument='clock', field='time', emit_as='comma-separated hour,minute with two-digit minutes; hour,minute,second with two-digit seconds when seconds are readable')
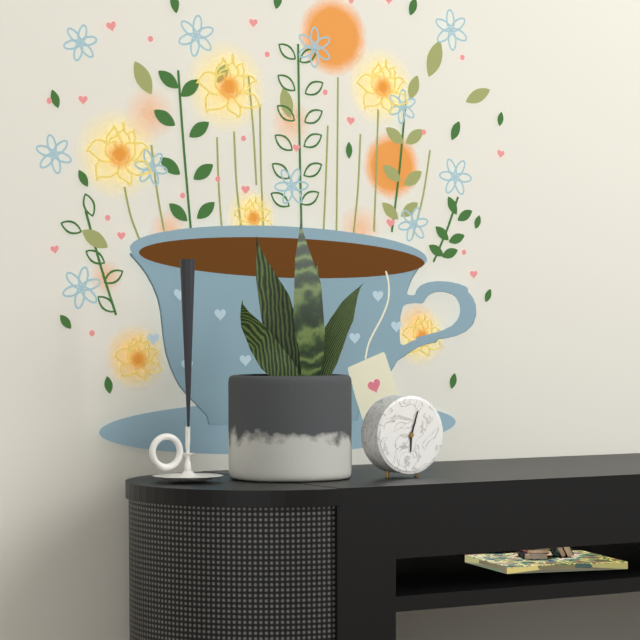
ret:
6,03
